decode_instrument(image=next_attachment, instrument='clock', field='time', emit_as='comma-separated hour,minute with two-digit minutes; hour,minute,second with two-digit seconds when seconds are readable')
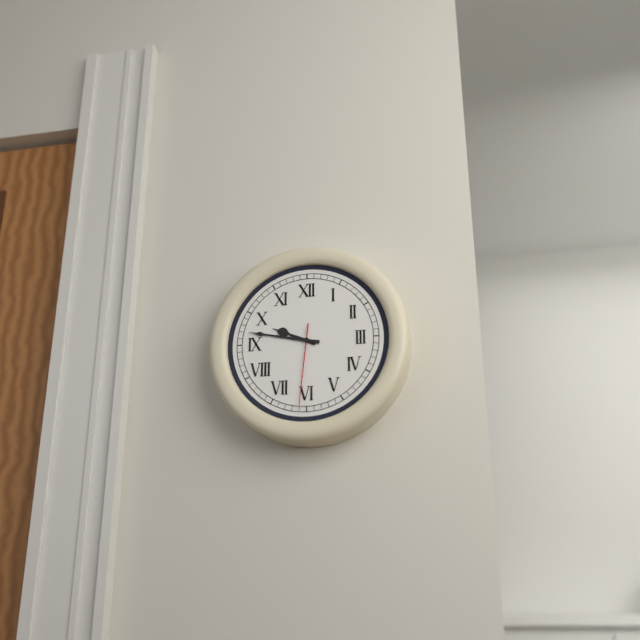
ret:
9,47,31
